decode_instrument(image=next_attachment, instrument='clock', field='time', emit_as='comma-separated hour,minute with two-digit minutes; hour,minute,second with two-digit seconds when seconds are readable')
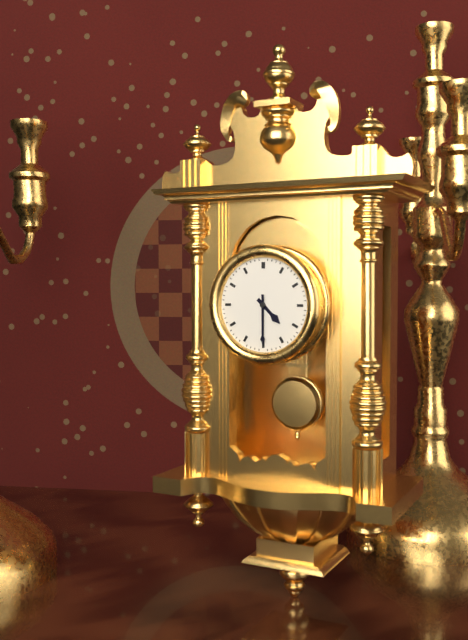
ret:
4,30
